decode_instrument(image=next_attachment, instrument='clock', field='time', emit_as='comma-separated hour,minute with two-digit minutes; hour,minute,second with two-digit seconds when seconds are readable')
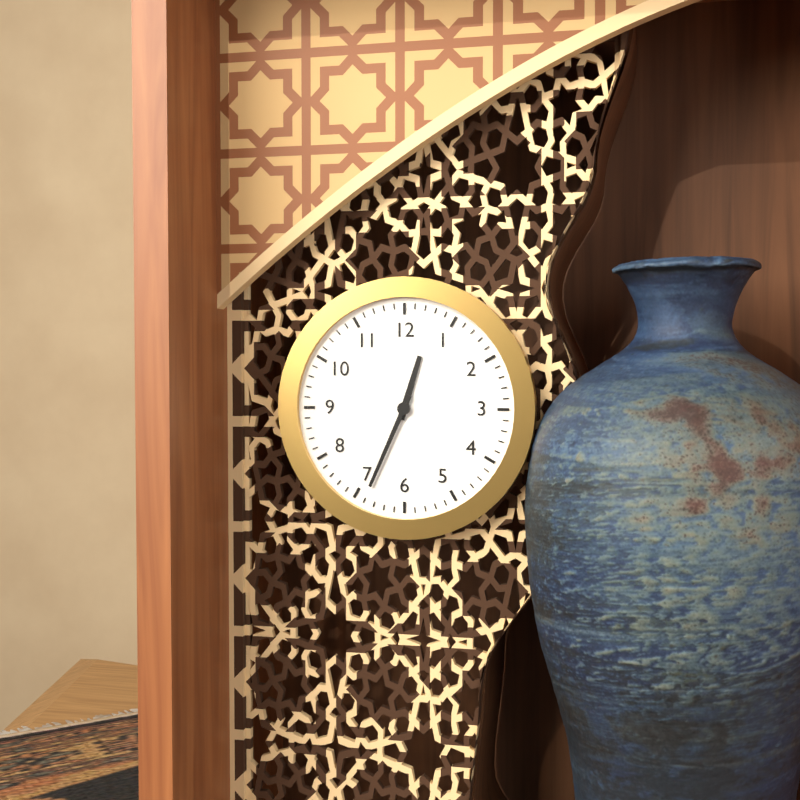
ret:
12,34
